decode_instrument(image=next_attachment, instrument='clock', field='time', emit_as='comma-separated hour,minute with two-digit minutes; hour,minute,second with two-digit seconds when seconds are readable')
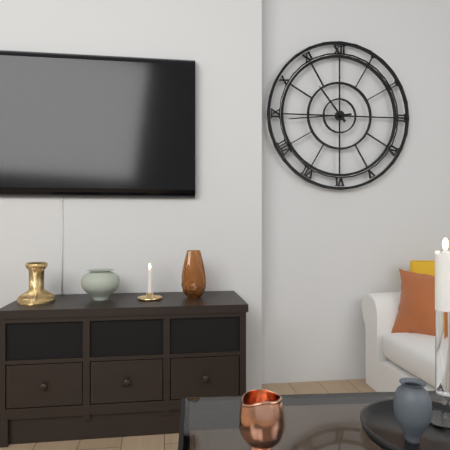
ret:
10,44
